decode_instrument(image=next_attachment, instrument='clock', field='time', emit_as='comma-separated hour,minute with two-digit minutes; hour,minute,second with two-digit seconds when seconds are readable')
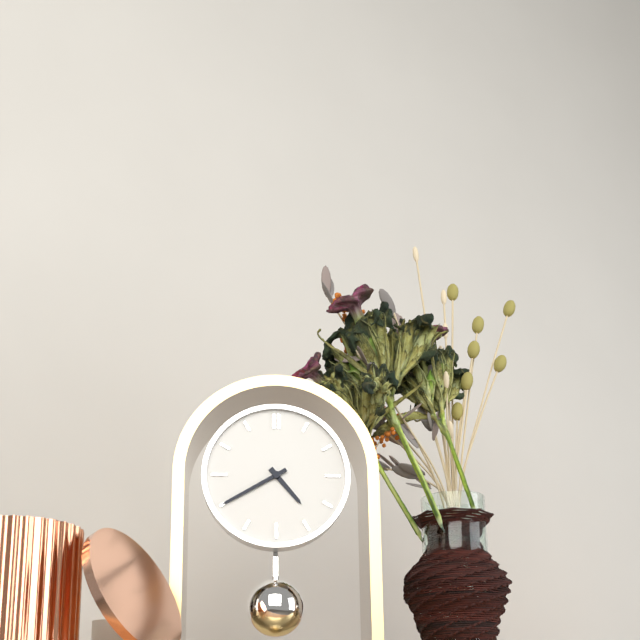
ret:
4,40
